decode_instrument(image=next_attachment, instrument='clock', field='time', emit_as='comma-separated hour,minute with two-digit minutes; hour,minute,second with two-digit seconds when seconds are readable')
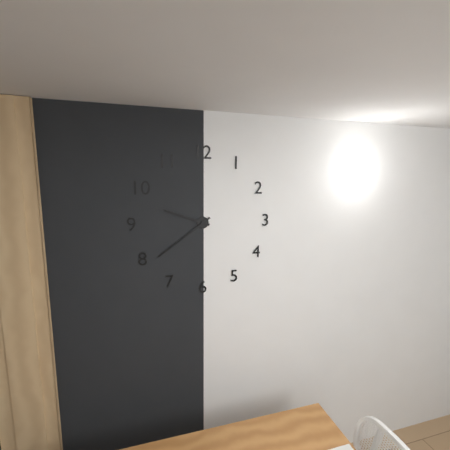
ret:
9,39
